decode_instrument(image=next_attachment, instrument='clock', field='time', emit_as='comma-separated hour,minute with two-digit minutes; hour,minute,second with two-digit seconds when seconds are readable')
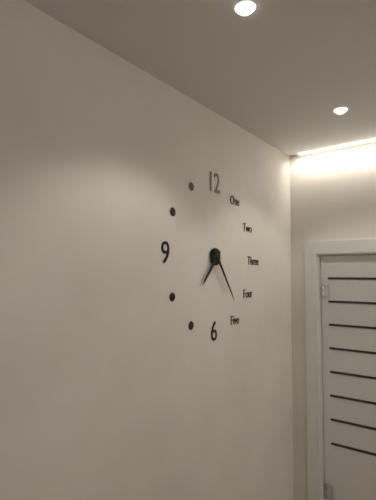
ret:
7,24
